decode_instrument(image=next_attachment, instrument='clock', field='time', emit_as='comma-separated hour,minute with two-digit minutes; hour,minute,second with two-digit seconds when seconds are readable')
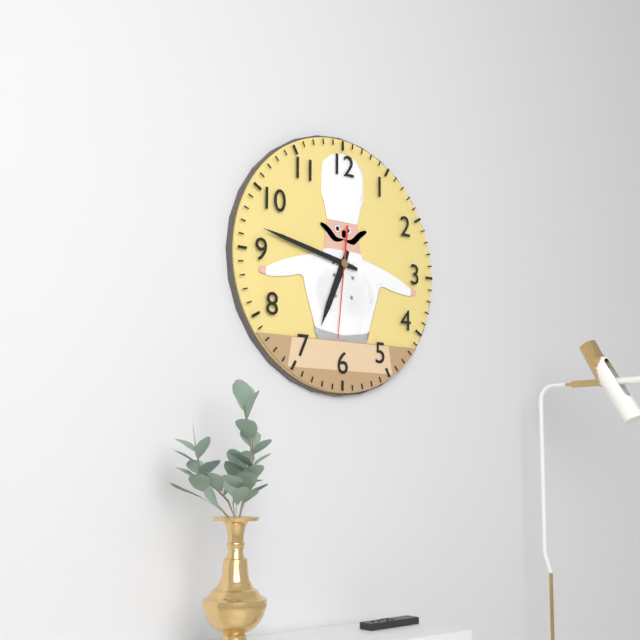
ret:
6,47,31
